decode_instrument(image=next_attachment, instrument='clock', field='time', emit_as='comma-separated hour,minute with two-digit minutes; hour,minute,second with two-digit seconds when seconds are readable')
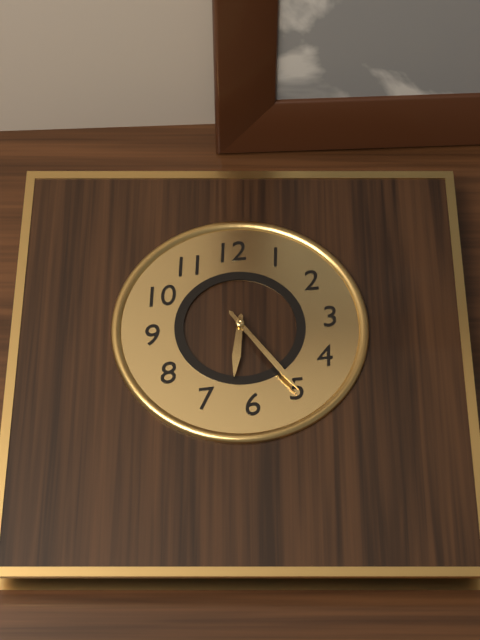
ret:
6,25
